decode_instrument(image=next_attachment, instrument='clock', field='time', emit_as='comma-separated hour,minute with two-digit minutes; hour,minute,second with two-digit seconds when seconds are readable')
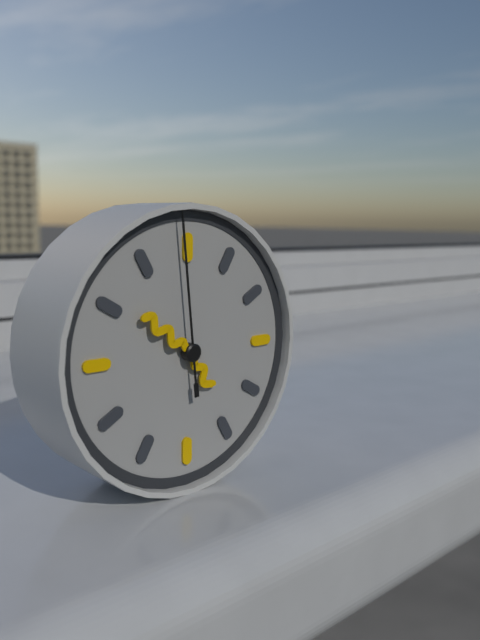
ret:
4,51,59
